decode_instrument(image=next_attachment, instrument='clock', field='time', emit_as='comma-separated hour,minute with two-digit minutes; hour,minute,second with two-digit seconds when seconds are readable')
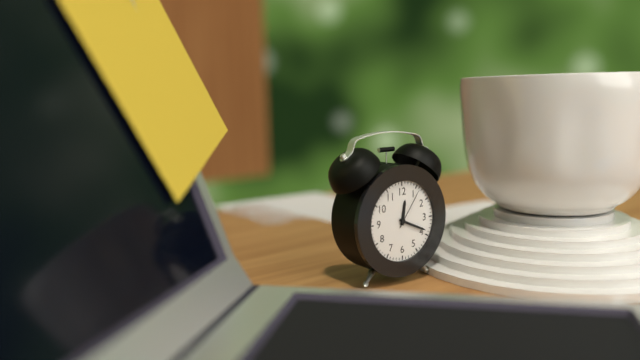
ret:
12,19
